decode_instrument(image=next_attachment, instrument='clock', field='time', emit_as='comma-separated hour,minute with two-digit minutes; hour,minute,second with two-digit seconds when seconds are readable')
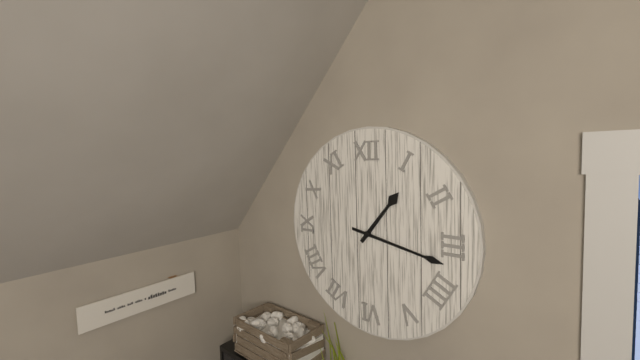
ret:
1,17
